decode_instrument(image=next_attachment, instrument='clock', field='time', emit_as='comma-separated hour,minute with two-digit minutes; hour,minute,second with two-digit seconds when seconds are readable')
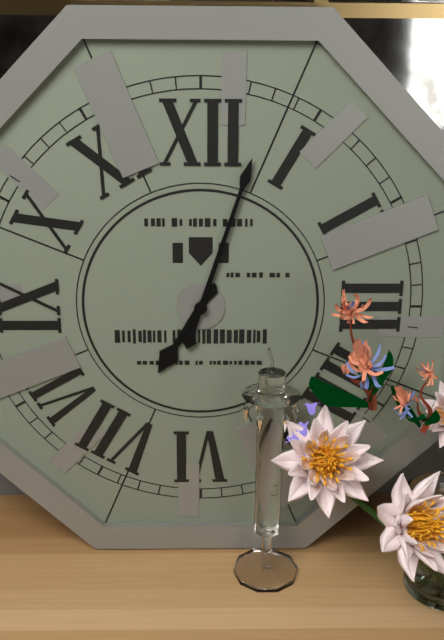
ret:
7,03
